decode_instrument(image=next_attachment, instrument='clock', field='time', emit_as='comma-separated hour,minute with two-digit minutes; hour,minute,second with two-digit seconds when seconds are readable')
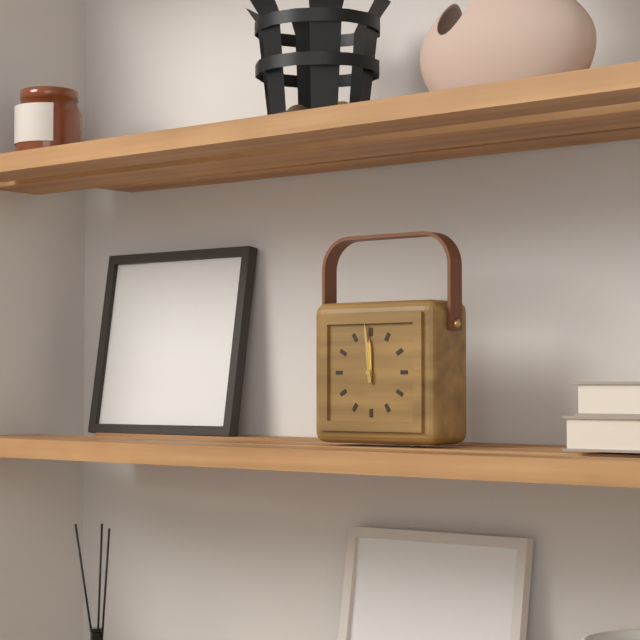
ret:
11,59
